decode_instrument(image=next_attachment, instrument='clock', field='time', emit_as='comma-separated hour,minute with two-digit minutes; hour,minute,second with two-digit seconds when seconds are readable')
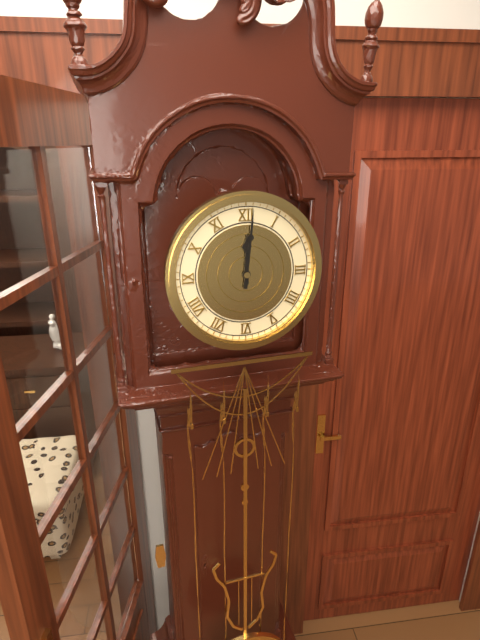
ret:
12,01
